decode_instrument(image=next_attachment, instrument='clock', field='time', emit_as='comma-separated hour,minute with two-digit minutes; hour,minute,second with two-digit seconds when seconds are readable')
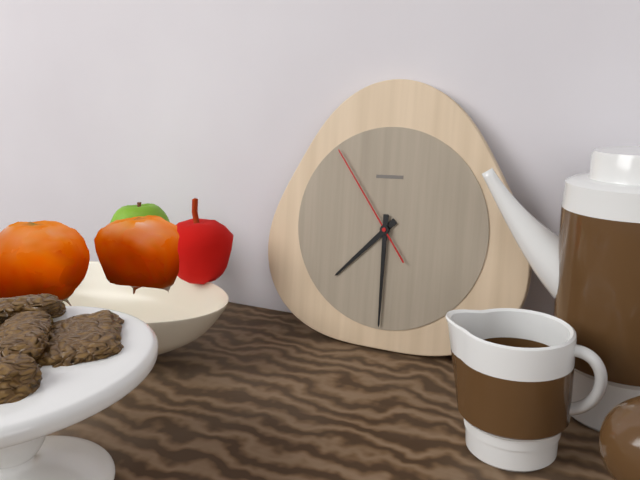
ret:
7,30,54
